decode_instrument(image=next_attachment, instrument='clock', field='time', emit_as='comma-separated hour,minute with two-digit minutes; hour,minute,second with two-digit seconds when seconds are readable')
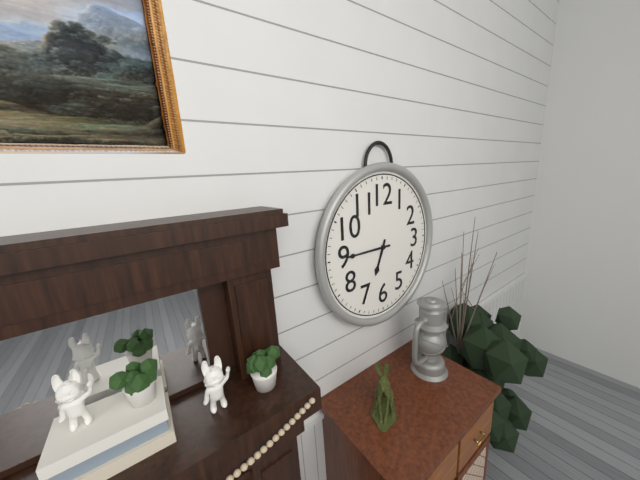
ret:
6,45
